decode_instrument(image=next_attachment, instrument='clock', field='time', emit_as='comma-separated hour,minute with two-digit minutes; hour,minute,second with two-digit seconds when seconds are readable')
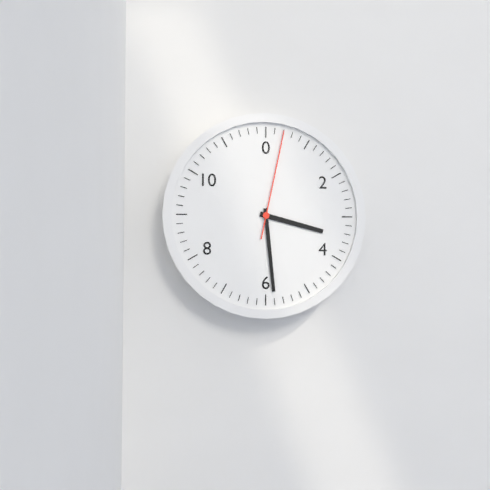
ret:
3,29,02
